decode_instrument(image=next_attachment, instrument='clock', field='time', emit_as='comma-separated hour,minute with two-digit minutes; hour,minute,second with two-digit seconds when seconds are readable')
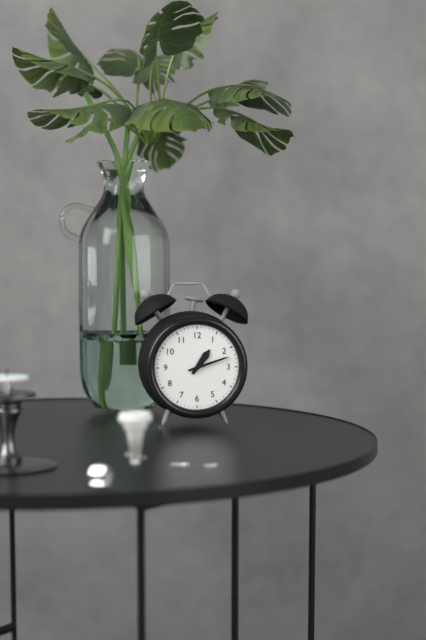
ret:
1,12
